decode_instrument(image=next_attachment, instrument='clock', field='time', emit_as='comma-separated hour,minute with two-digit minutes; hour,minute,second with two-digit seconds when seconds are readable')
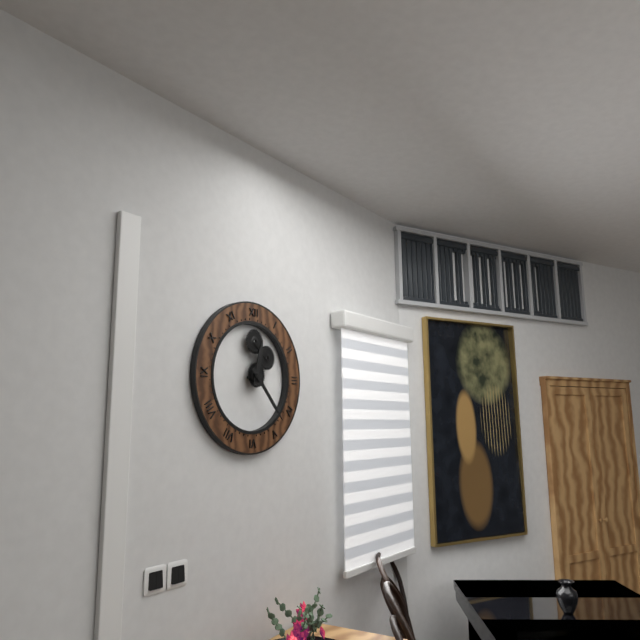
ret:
12,23
